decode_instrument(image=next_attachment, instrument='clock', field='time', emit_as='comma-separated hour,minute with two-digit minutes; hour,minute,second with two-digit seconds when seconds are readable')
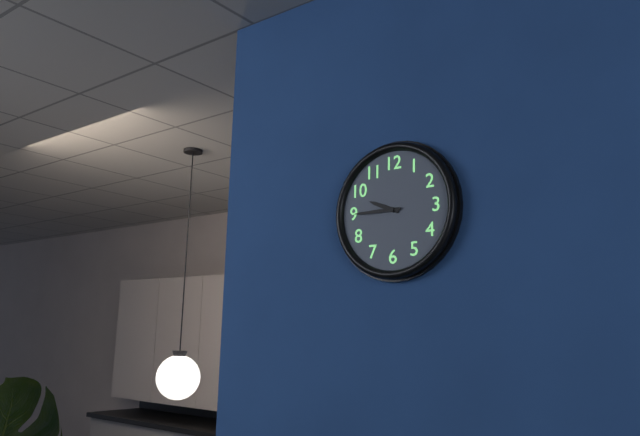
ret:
9,45
